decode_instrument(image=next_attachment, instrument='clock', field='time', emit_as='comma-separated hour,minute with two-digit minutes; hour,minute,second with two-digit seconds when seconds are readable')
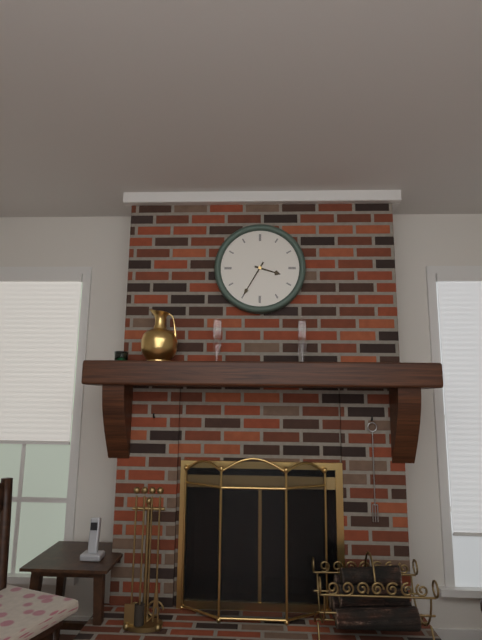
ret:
3,35
